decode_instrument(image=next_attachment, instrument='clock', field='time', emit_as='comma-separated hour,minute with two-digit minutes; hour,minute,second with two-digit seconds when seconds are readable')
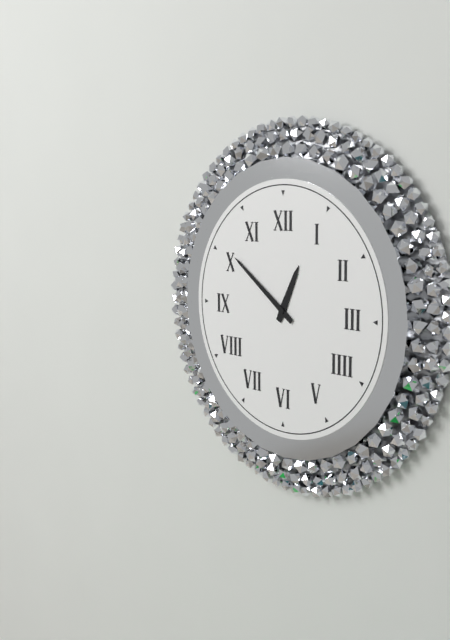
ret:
12,51
